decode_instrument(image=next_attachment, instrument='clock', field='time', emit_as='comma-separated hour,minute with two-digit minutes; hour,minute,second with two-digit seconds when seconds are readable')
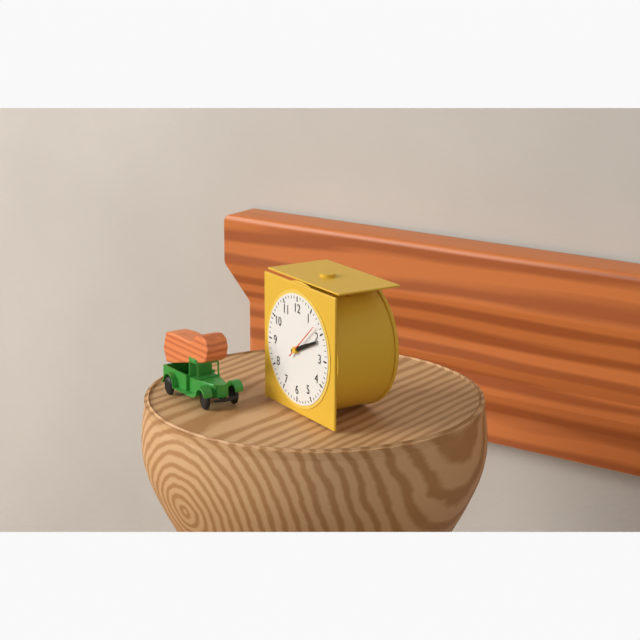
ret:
2,11
